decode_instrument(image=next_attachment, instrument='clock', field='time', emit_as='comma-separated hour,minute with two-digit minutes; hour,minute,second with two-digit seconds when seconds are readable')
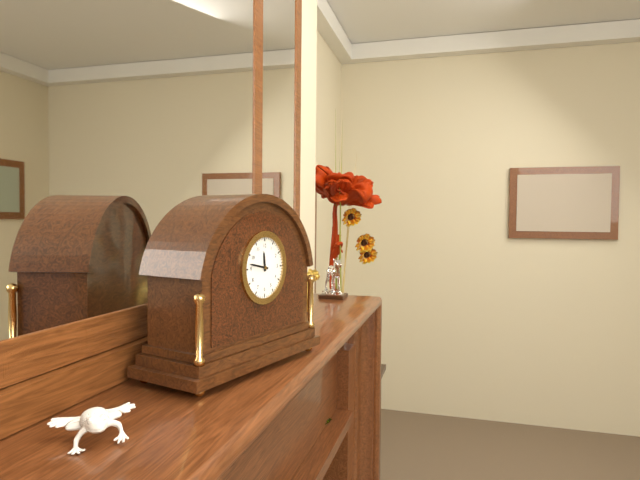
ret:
11,47
